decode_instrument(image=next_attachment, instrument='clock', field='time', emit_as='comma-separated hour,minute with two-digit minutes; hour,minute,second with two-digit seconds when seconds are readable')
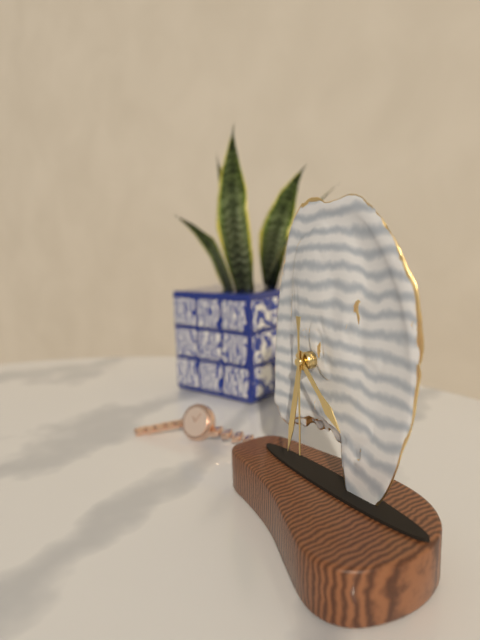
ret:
4,32,30
